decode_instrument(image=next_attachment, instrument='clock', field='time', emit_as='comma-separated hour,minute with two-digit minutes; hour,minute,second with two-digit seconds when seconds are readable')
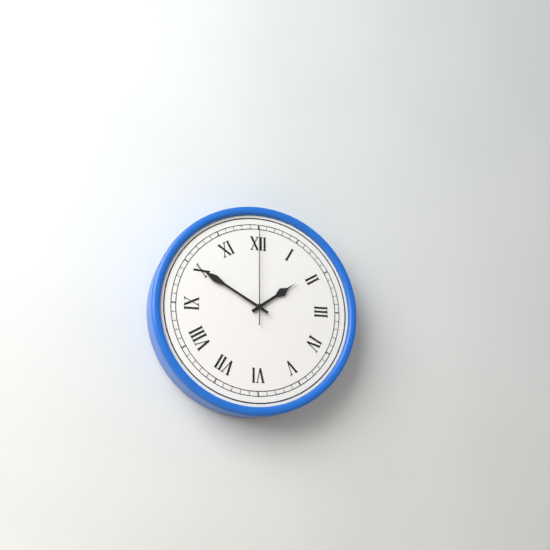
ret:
1,50,00
